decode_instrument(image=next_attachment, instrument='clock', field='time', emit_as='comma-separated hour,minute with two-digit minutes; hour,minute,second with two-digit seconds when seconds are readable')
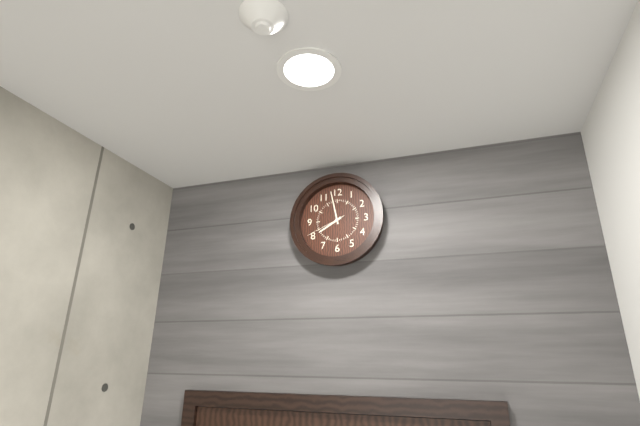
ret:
7,58
